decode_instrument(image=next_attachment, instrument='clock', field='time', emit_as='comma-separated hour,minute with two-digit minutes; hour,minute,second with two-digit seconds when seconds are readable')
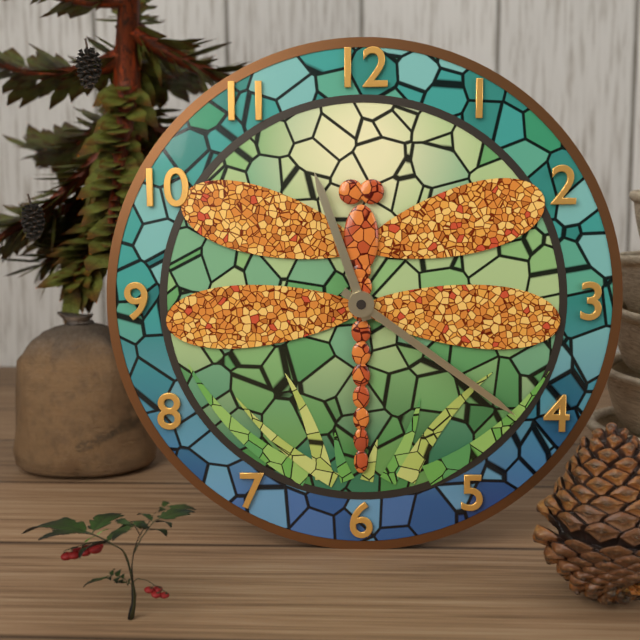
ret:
11,21
